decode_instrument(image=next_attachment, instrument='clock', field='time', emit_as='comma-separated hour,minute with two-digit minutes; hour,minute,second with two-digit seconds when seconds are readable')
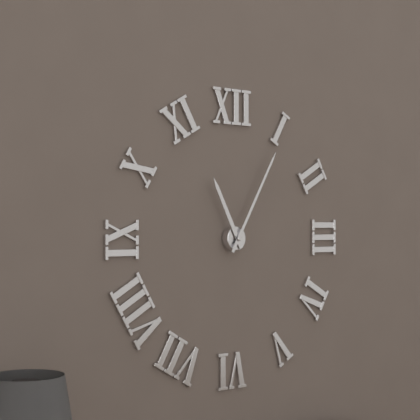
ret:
11,05
